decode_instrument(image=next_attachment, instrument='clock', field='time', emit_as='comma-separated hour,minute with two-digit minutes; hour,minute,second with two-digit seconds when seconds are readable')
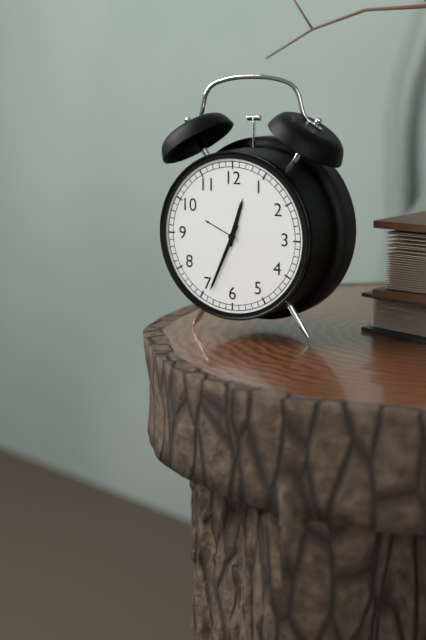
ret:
12,34
